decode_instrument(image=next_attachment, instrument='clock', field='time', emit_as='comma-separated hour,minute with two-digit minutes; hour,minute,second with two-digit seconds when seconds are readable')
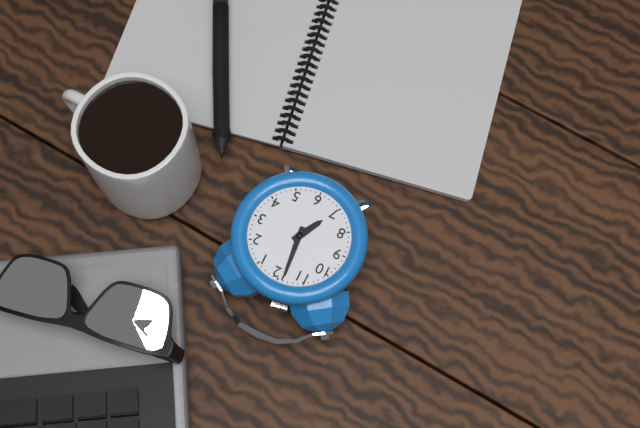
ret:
6,59
